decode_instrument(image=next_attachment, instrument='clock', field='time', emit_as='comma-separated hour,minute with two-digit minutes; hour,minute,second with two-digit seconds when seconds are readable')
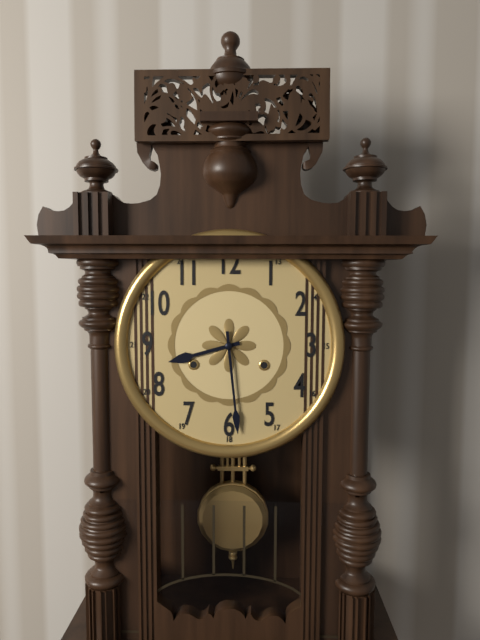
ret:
8,29
